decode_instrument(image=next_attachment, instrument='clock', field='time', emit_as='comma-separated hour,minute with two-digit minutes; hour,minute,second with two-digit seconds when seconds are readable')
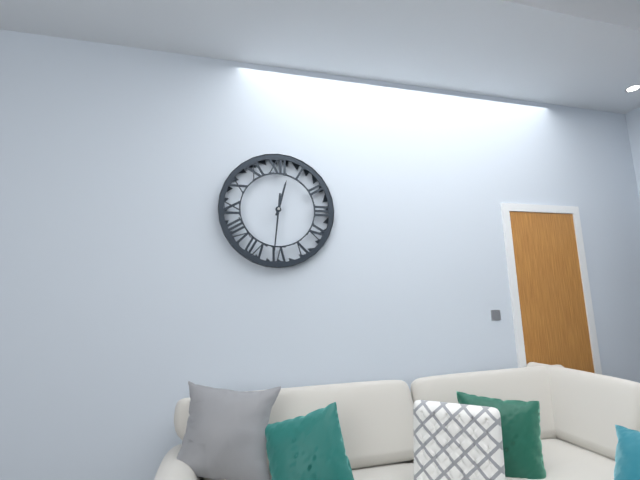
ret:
12,31
